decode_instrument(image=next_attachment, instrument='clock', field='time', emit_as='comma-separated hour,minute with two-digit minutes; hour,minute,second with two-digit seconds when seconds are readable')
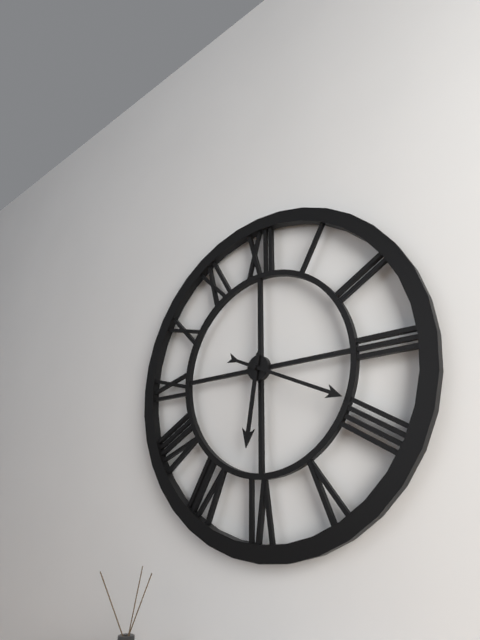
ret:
6,19
